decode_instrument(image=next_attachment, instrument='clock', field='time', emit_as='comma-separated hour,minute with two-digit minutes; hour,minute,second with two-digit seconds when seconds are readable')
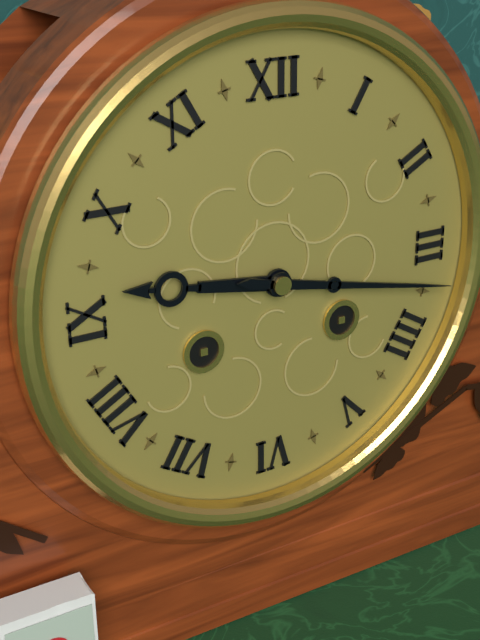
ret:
9,17
